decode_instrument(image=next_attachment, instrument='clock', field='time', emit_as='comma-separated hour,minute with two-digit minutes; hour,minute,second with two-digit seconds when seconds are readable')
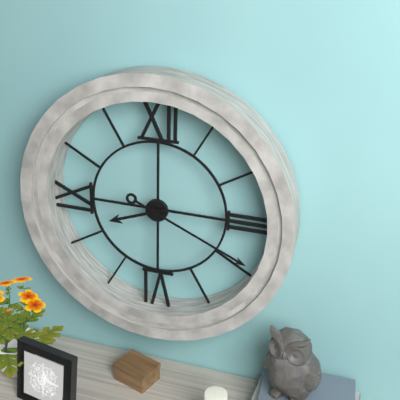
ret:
8,19
